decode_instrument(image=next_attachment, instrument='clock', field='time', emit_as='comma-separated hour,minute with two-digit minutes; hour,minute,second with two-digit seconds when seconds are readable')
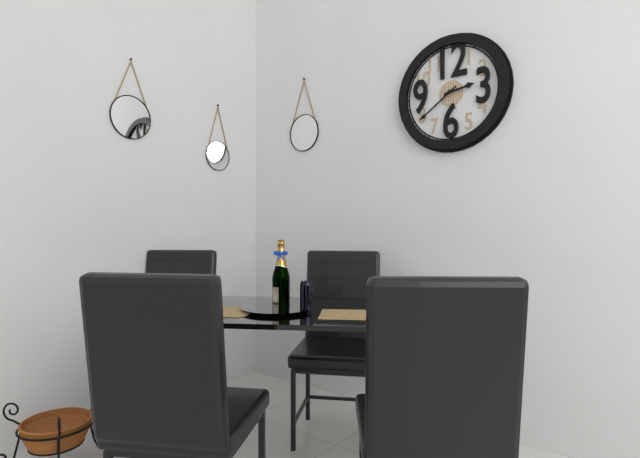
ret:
2,39
